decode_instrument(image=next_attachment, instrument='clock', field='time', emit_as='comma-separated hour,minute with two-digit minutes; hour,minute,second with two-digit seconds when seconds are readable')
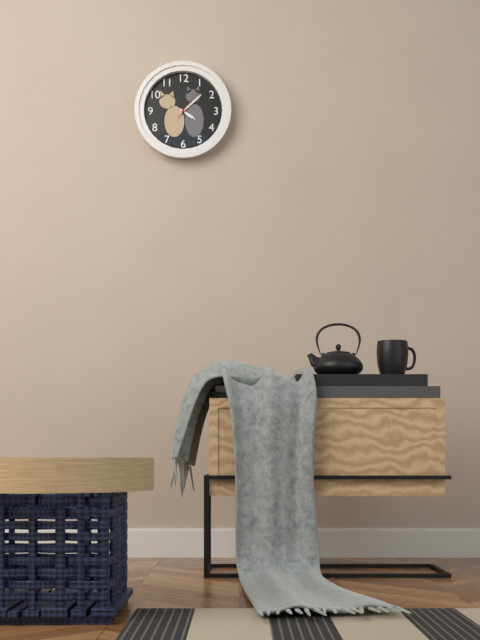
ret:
4,08
